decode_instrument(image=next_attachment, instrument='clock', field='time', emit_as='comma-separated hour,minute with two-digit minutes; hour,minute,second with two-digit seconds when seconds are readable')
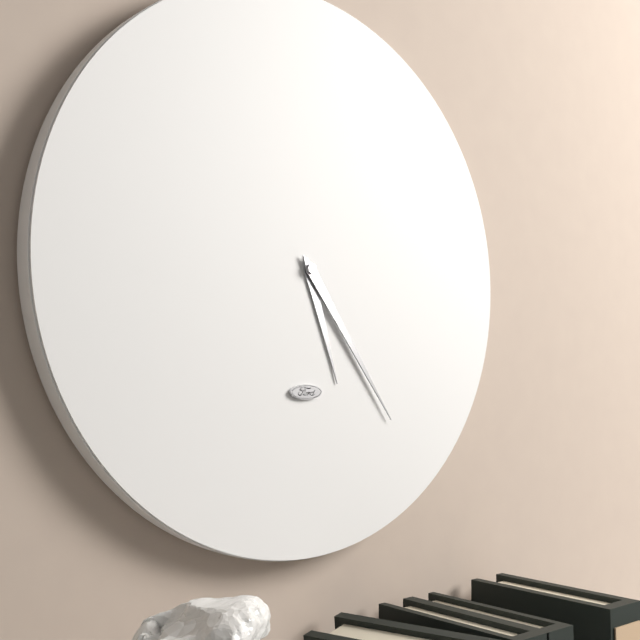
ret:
5,24
